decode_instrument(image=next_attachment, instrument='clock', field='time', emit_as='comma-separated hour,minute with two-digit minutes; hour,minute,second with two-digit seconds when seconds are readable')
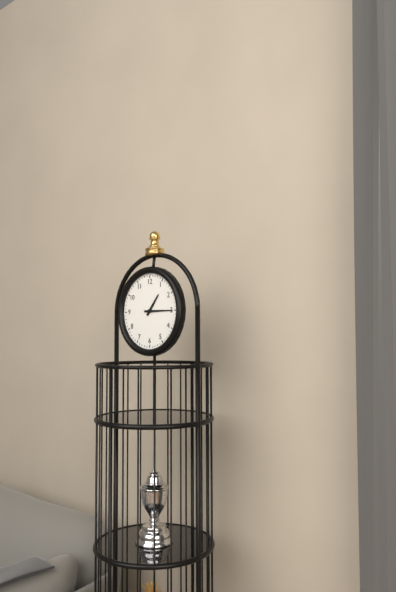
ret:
1,15
